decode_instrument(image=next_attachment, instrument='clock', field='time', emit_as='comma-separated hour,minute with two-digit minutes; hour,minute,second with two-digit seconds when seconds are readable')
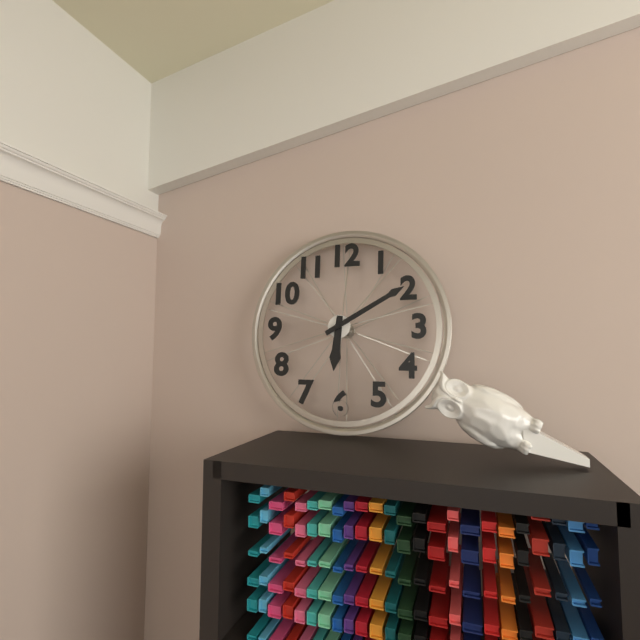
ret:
6,10
